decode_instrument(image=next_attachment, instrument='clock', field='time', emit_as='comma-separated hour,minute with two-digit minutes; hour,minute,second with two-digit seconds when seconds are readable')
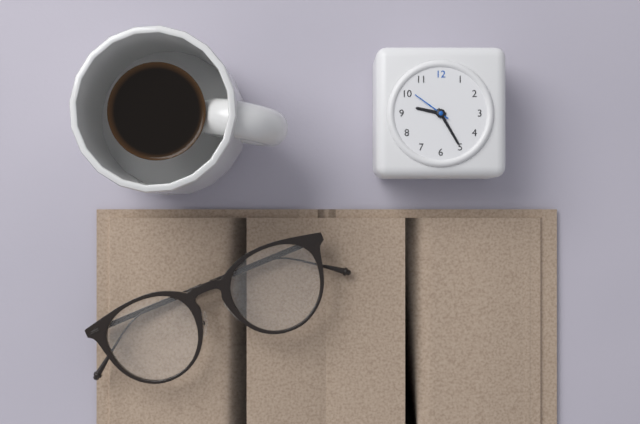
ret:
9,25
